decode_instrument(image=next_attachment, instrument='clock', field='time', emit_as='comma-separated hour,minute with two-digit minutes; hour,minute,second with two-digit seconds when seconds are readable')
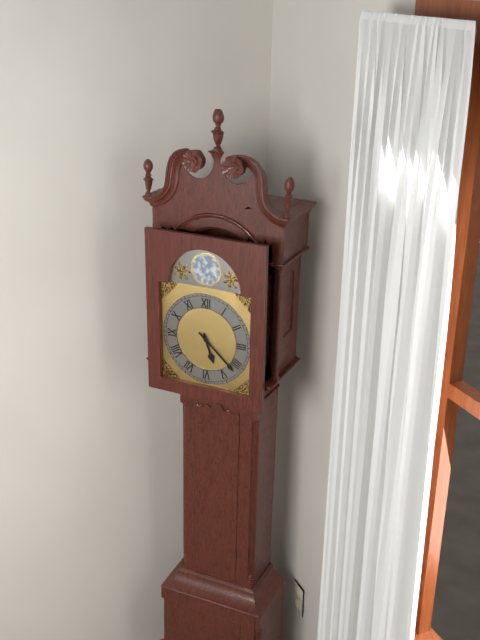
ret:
5,22
